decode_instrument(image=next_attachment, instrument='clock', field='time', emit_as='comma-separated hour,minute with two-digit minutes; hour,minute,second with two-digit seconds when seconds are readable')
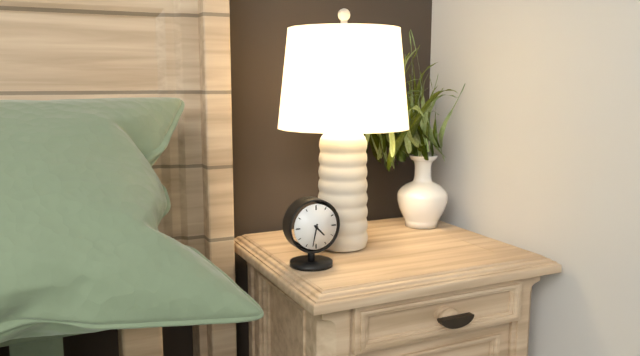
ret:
4,32
